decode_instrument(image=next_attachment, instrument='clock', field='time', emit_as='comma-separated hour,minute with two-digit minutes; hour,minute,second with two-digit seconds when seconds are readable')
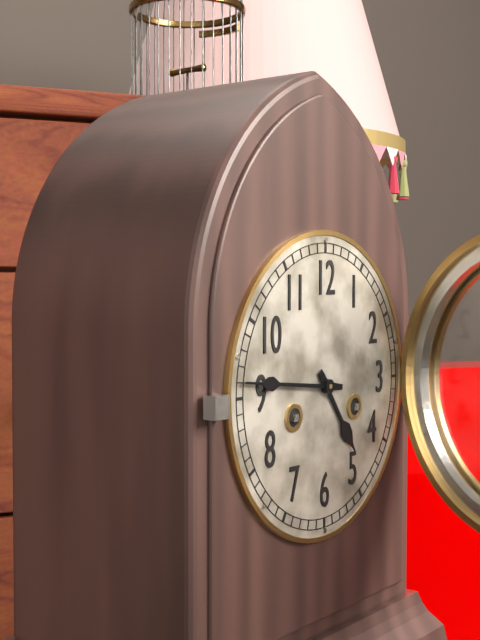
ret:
4,46
